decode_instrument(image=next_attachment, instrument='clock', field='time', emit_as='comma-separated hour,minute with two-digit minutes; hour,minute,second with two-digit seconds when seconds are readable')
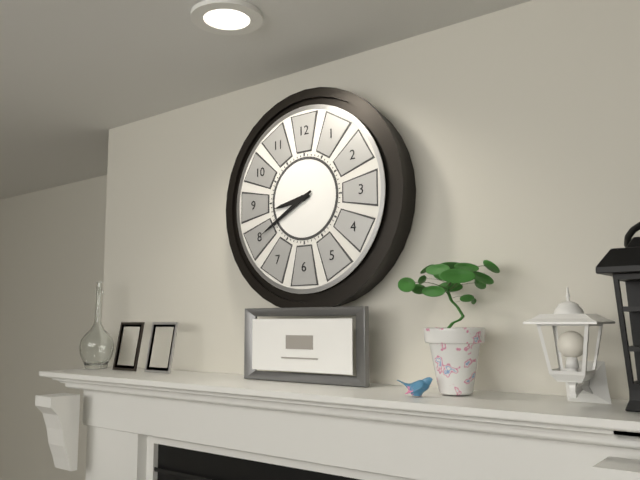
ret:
8,40
